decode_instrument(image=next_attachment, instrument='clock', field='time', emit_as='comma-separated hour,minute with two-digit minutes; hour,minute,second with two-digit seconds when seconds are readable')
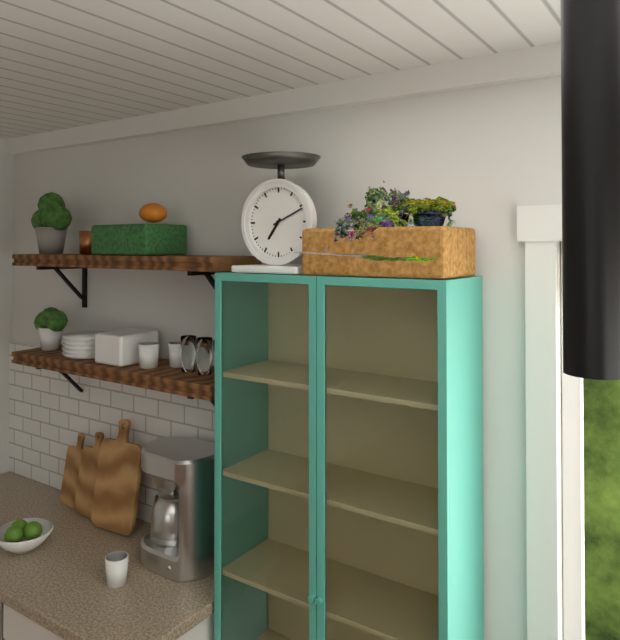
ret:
7,11
